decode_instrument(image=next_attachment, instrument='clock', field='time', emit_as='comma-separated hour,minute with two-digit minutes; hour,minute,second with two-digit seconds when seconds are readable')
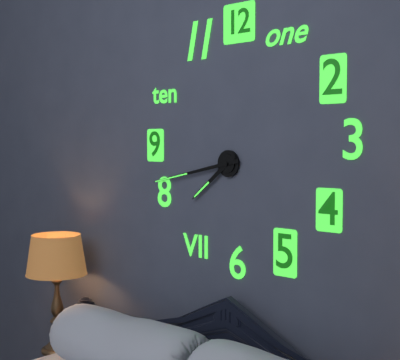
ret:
7,43
